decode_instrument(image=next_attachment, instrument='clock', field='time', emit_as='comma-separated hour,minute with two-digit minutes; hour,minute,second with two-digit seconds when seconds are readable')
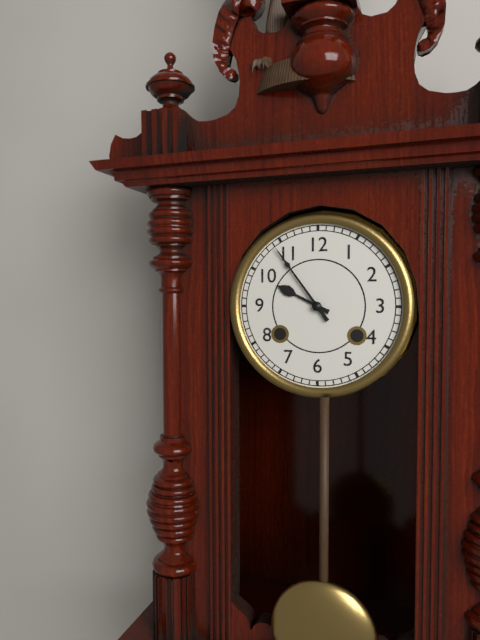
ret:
9,54
